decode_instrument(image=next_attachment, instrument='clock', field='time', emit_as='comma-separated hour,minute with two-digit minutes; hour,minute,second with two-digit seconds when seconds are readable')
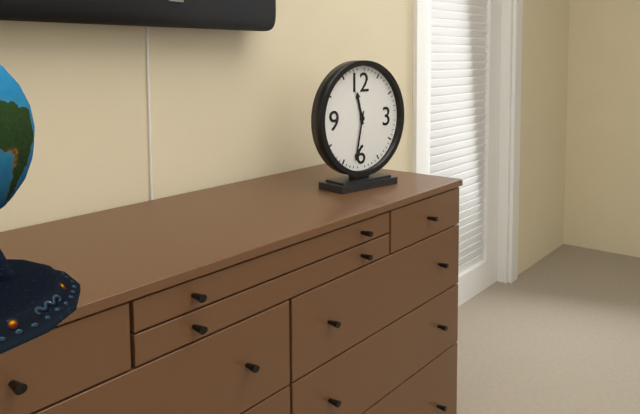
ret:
11,32
